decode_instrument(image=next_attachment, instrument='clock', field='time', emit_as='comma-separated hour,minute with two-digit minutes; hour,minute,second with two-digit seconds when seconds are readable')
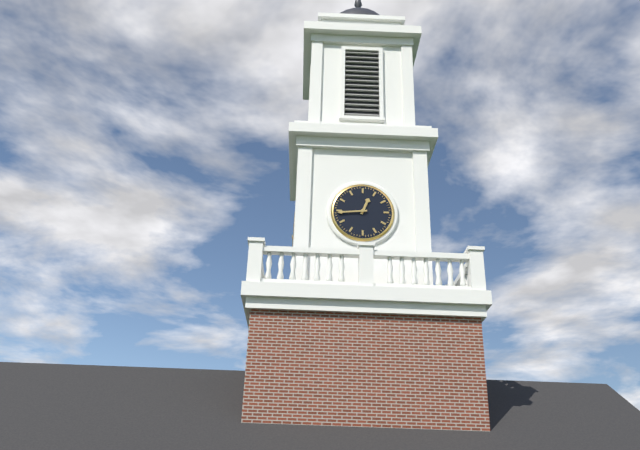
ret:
12,44
